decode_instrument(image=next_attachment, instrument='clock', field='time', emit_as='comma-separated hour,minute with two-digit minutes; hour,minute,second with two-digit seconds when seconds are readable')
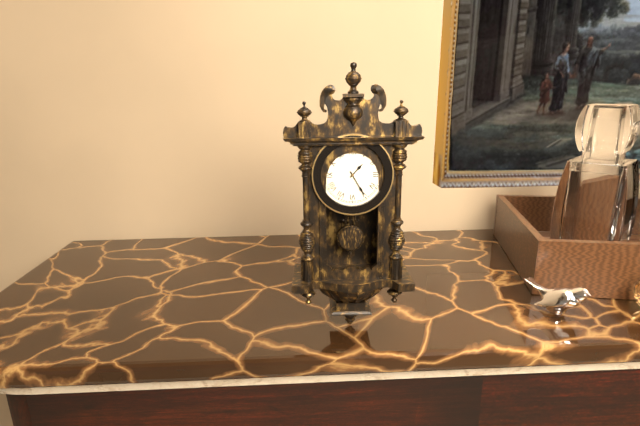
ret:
1,25
